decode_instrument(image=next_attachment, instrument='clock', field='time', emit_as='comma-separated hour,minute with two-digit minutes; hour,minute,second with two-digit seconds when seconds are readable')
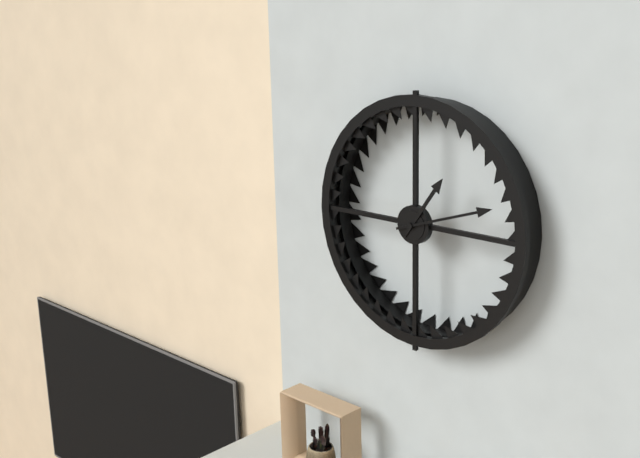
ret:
1,12
